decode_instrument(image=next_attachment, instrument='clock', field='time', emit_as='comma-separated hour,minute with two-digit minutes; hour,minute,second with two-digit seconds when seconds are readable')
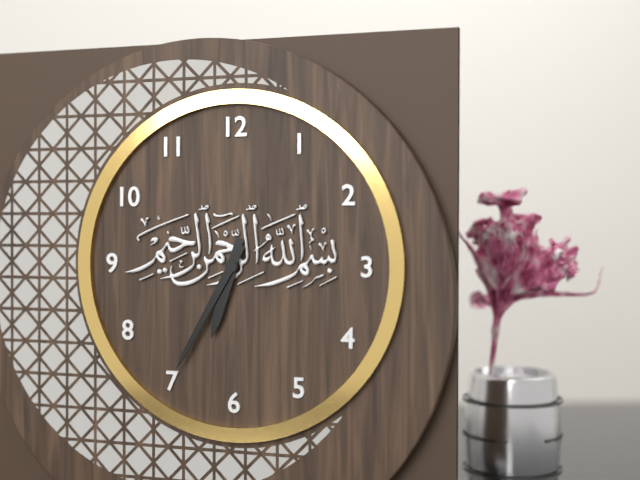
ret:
6,35
